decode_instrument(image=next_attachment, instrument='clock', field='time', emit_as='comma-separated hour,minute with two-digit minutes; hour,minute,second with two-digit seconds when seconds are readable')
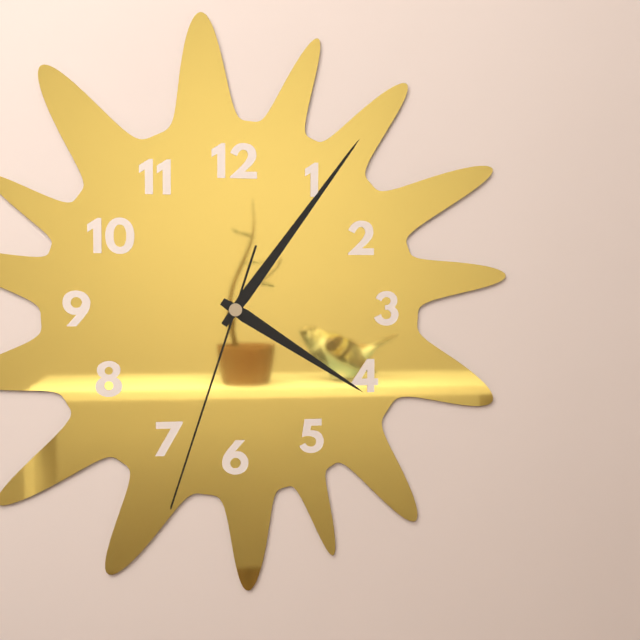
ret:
4,06,33
